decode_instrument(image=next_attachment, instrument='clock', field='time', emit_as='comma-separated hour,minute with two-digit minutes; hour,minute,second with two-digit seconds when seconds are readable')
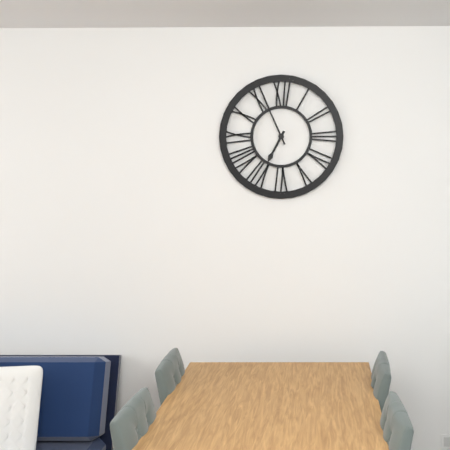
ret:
6,56
